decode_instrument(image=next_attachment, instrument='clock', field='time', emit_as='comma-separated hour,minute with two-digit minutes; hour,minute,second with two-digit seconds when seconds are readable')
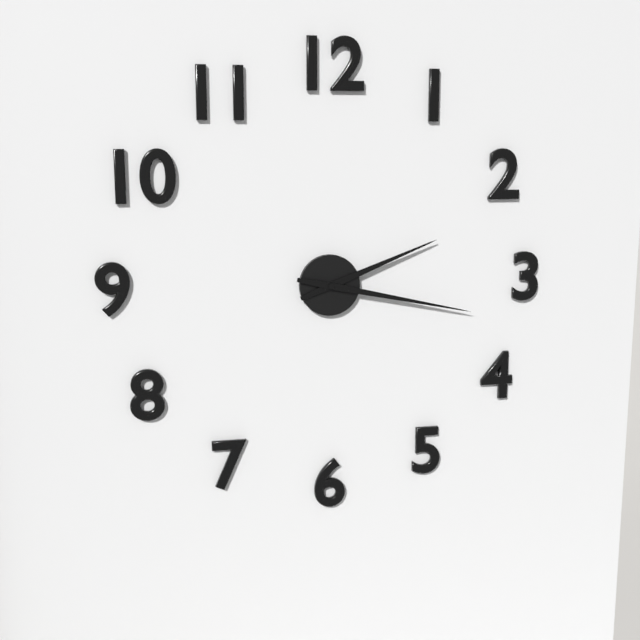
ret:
2,17
